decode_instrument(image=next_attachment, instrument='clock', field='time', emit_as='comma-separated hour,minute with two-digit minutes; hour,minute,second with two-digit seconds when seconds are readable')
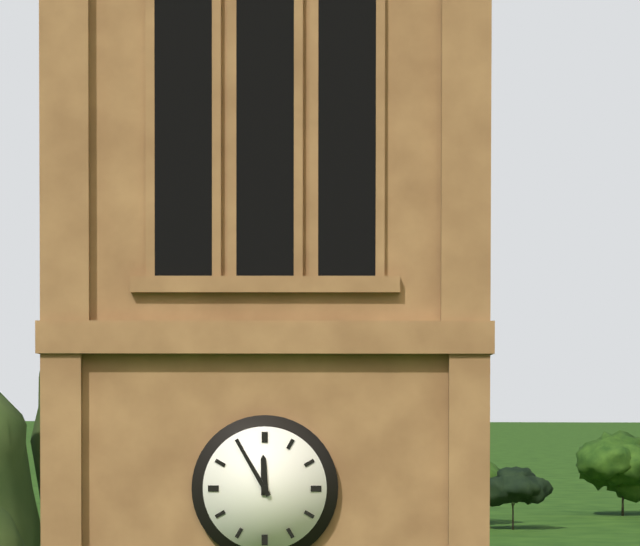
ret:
11,55
